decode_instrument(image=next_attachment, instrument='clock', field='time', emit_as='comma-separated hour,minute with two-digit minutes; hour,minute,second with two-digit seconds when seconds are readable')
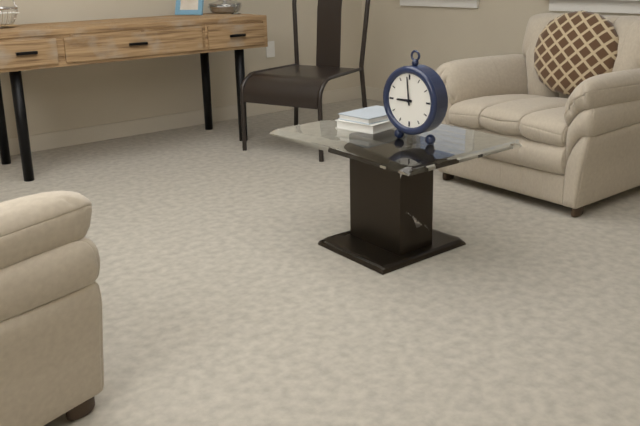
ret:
8,59
